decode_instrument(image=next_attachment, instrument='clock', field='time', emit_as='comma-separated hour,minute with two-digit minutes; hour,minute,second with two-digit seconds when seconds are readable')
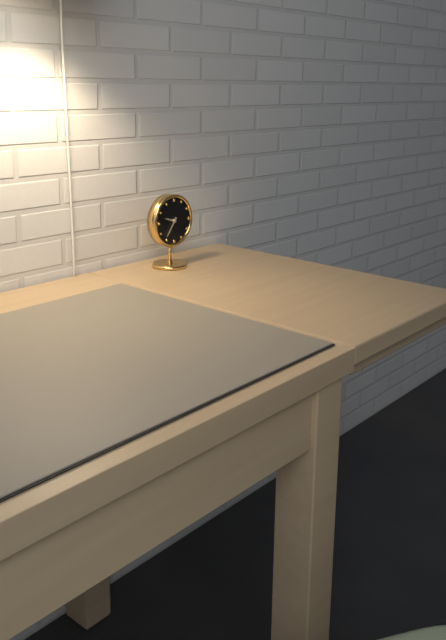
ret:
9,36
